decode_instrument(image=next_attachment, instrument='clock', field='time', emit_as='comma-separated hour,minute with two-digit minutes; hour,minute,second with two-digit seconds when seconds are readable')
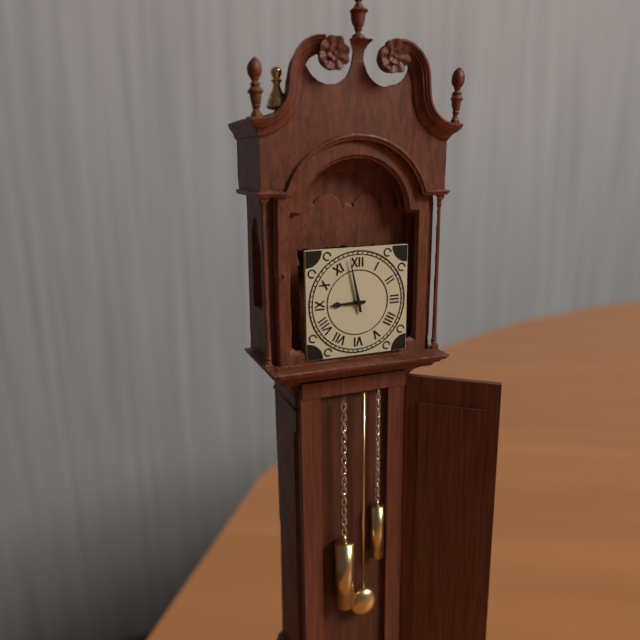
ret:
8,58
